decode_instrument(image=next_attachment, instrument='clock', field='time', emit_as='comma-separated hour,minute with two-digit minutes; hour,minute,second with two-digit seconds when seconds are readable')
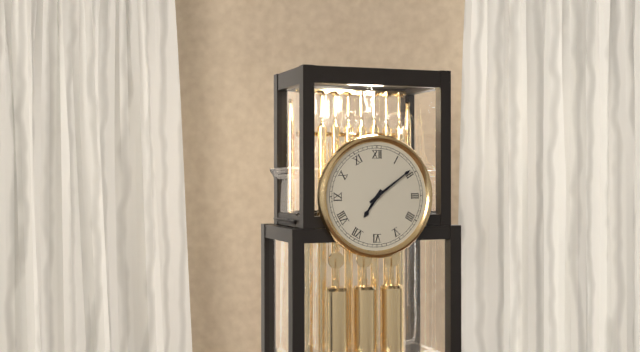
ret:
7,09
